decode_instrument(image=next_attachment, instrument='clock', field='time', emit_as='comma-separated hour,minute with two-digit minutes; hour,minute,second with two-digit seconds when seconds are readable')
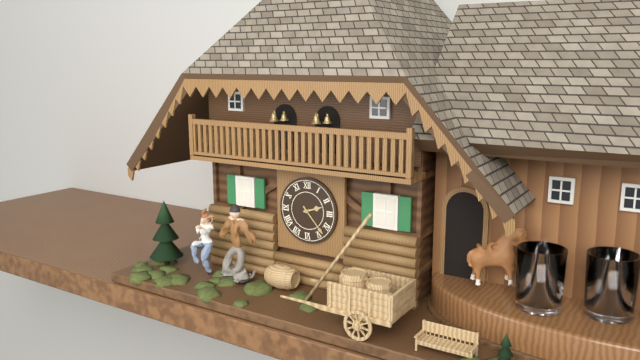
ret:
2,23
